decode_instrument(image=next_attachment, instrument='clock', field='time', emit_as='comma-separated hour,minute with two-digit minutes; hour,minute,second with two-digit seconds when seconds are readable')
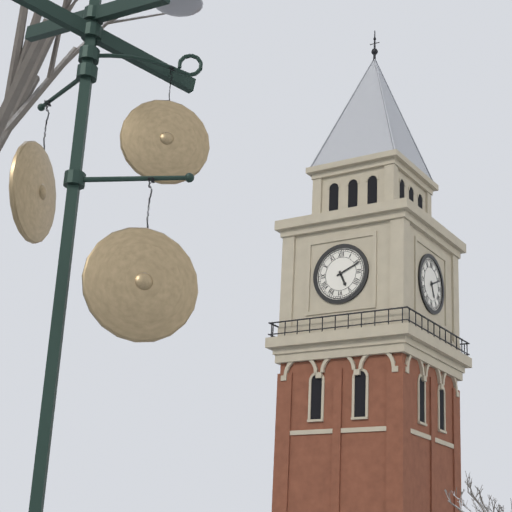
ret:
5,11
